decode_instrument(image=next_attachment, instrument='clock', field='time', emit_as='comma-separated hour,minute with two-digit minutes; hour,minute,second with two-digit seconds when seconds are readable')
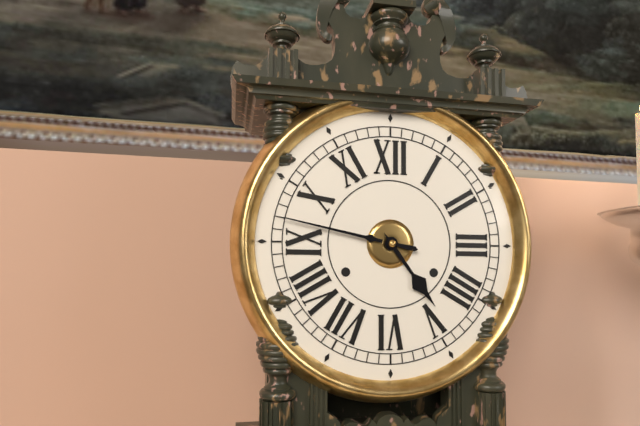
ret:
4,47
